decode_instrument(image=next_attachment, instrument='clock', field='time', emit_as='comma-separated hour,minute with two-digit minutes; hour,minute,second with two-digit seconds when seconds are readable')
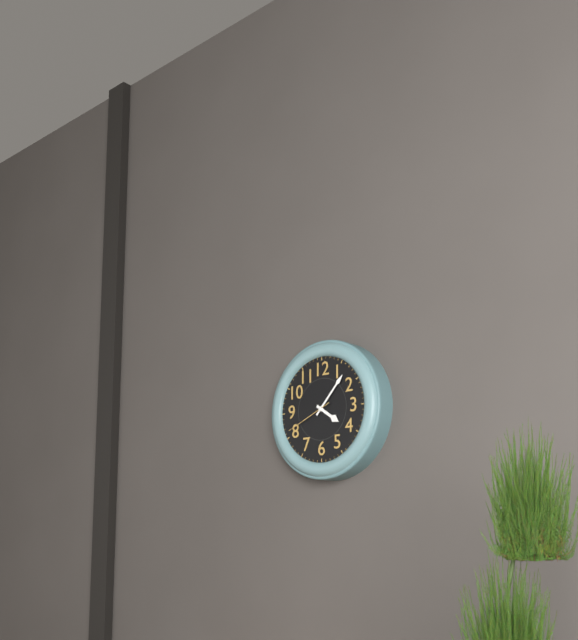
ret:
4,07
